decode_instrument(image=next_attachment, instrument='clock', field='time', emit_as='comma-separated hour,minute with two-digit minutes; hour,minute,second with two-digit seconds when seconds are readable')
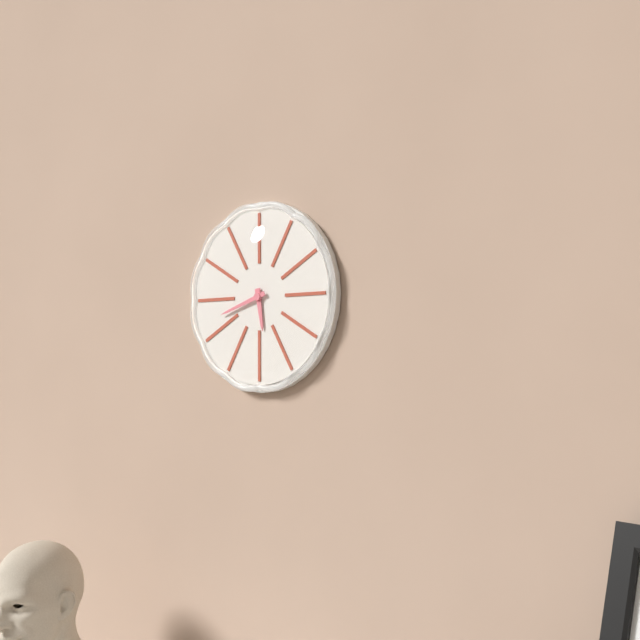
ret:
5,42
